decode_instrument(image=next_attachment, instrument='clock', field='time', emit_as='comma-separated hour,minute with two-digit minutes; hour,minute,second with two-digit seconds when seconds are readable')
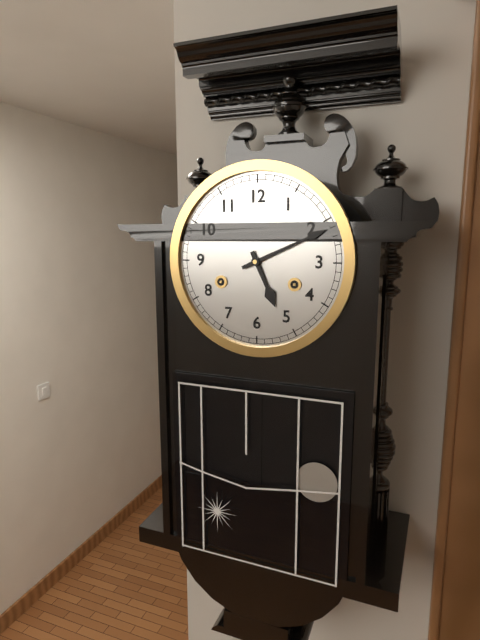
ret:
5,11
